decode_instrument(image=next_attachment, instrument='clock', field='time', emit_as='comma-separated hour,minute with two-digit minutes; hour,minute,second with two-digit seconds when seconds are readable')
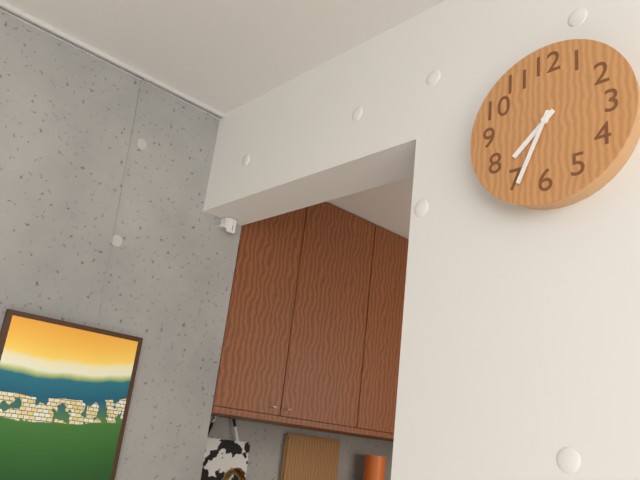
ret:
7,34
